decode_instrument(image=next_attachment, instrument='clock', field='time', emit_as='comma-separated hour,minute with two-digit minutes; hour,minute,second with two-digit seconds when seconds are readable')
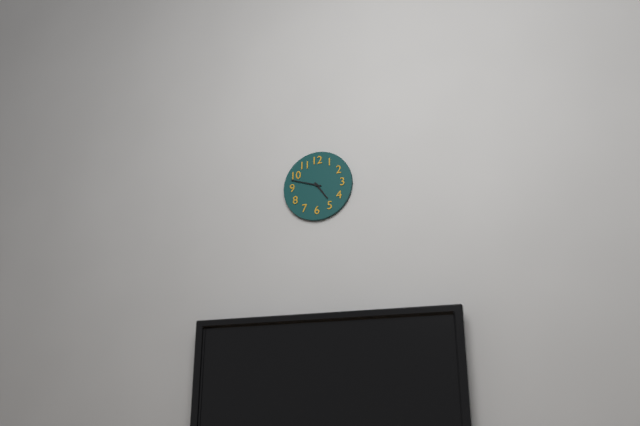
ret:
4,48
